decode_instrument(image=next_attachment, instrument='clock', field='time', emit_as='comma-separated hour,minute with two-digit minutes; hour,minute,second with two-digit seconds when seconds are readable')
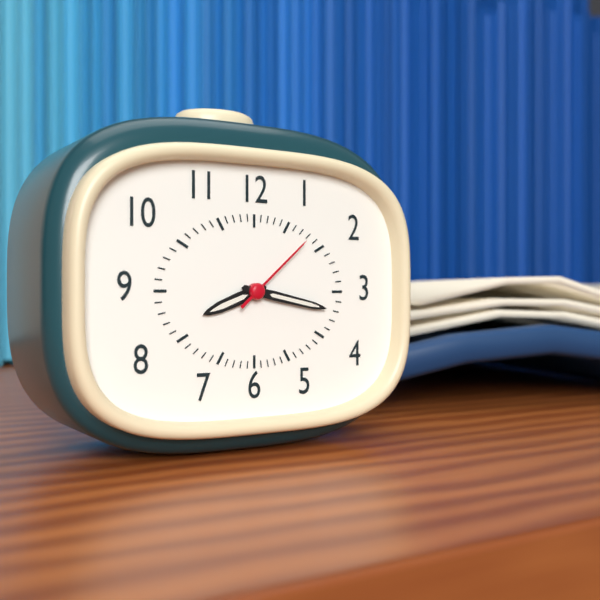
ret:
8,17,08
